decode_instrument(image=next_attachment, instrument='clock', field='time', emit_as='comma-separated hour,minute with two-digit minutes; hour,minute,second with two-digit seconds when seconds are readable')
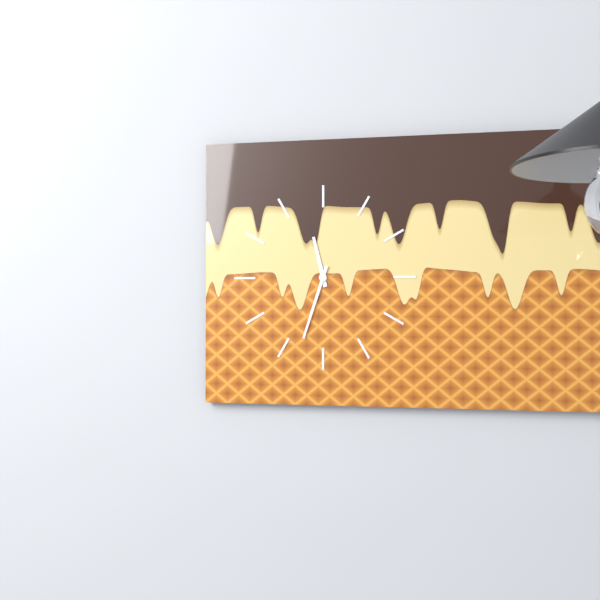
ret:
11,33
